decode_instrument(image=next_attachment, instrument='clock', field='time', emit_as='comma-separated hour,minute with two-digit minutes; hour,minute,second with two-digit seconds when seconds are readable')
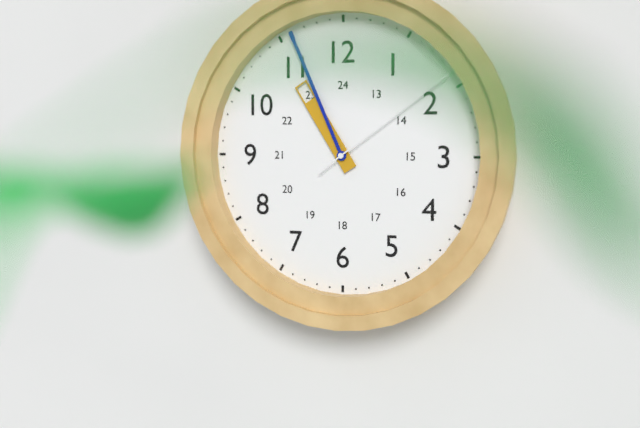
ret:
10,56,09
